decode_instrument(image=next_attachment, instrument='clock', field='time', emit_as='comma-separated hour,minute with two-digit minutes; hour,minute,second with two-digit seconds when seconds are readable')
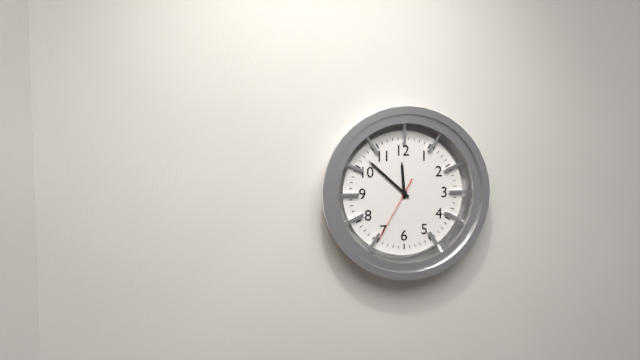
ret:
11,52,35
